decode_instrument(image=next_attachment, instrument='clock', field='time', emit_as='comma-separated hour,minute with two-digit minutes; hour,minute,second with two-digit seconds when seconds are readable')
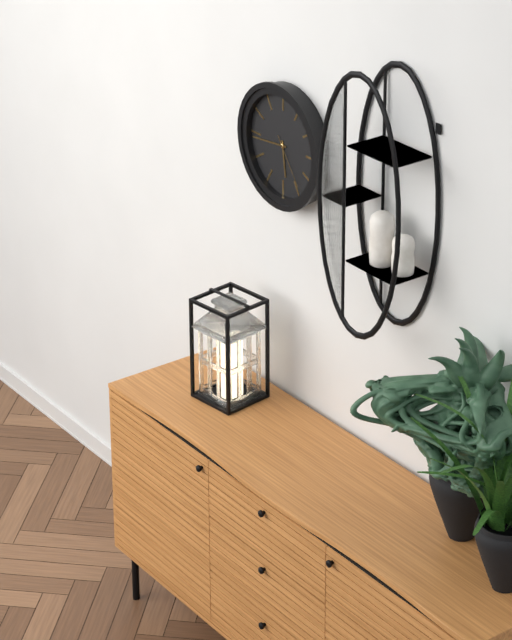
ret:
5,44,24
